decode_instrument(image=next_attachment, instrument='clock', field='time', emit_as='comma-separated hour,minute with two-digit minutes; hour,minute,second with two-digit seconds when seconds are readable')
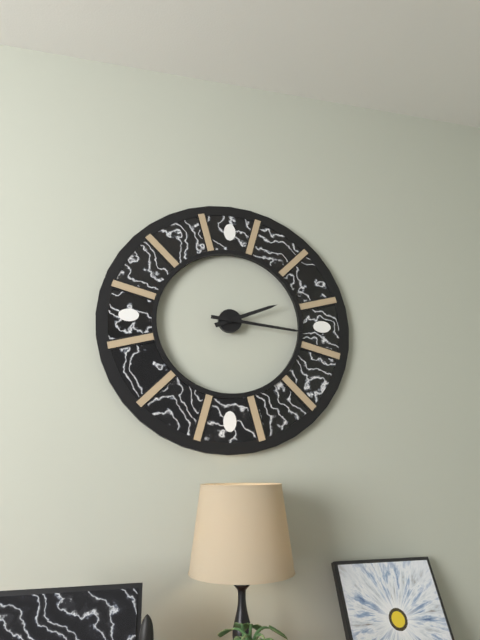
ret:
2,16
